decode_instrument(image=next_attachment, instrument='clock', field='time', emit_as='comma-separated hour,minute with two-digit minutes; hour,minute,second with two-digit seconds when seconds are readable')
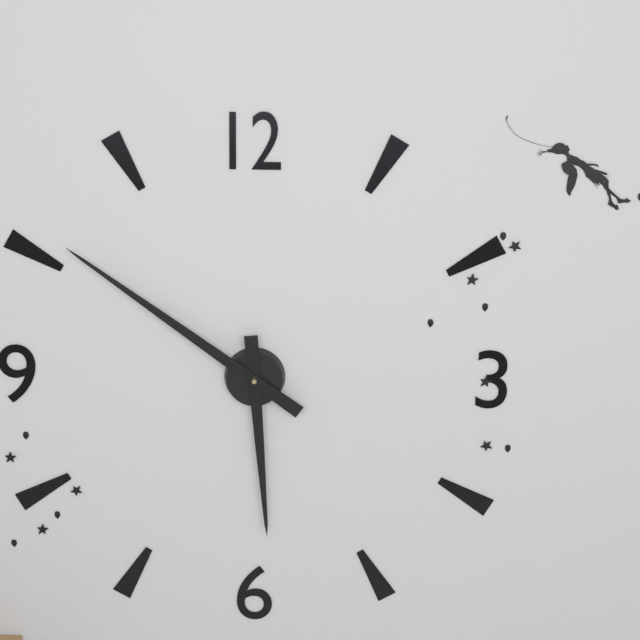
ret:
5,51
